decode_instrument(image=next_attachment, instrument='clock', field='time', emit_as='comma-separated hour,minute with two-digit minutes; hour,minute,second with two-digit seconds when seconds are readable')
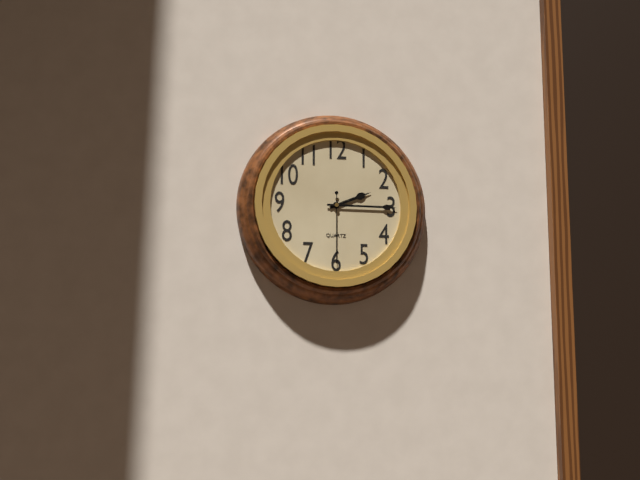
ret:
2,15,30
